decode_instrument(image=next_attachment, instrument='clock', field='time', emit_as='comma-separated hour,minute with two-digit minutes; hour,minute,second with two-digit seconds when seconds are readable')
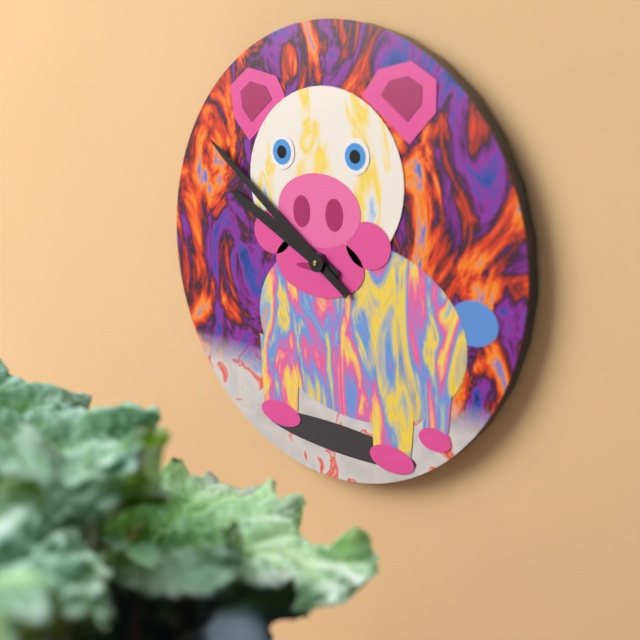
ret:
9,51
